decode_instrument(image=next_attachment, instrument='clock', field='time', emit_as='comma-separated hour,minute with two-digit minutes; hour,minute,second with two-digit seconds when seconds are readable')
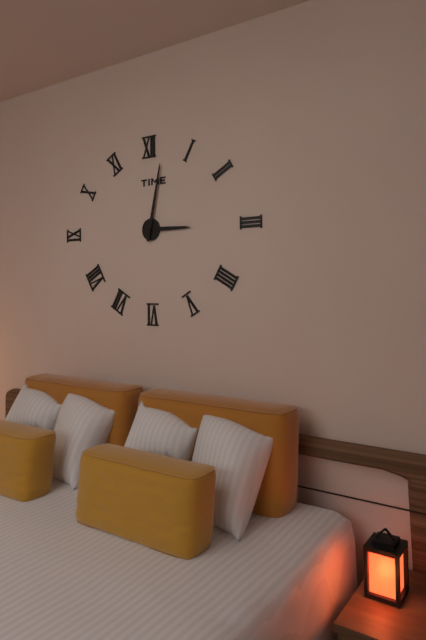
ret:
3,02
